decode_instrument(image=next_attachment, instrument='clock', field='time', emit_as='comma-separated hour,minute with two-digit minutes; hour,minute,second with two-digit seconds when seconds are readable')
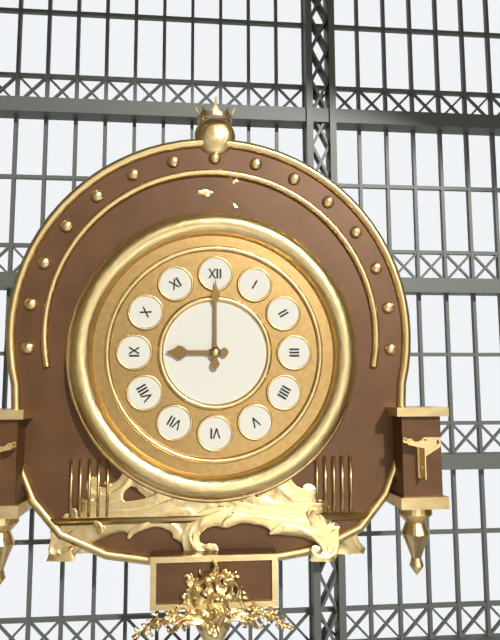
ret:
9,00
